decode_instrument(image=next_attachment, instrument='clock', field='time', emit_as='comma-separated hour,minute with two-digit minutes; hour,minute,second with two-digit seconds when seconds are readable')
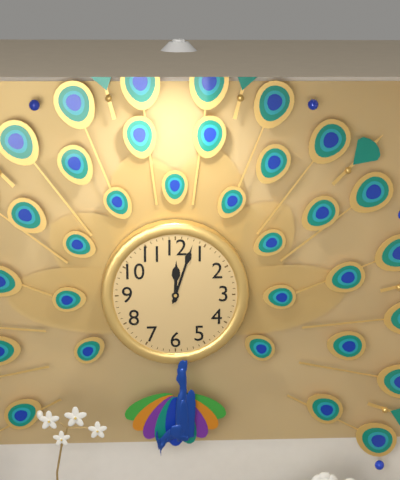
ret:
12,03
